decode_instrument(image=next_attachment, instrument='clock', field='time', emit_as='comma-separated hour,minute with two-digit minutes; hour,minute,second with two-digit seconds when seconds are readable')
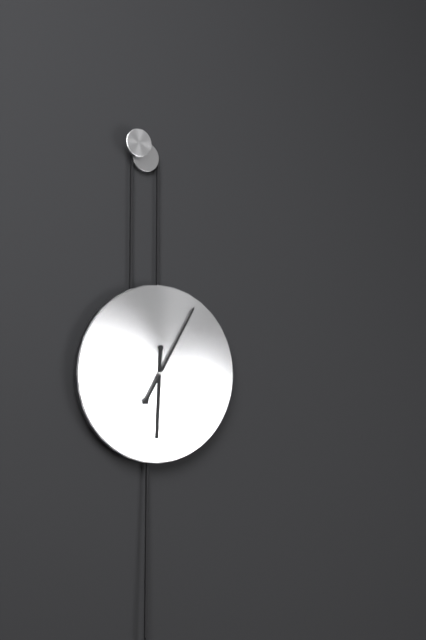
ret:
6,05
